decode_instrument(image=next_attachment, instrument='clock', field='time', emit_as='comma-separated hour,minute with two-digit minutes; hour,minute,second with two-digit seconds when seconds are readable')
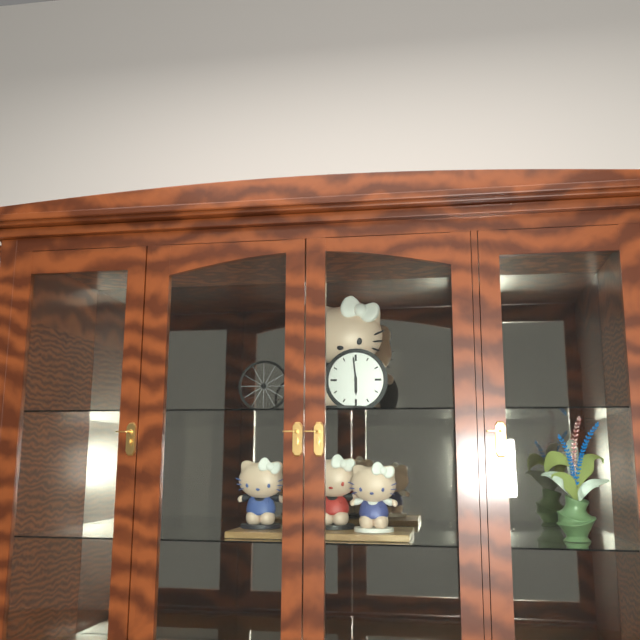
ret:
5,59
